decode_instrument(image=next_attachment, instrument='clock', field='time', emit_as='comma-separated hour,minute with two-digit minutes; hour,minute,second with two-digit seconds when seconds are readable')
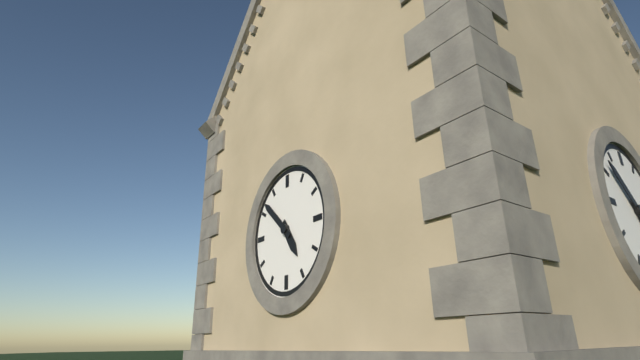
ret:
4,52
